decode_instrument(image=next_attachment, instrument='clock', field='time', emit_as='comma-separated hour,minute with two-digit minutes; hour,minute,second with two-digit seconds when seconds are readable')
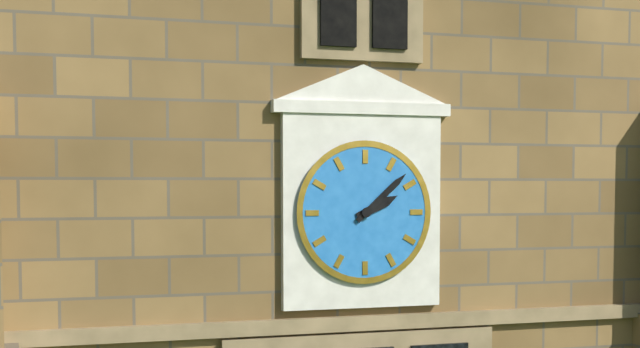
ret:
2,08
